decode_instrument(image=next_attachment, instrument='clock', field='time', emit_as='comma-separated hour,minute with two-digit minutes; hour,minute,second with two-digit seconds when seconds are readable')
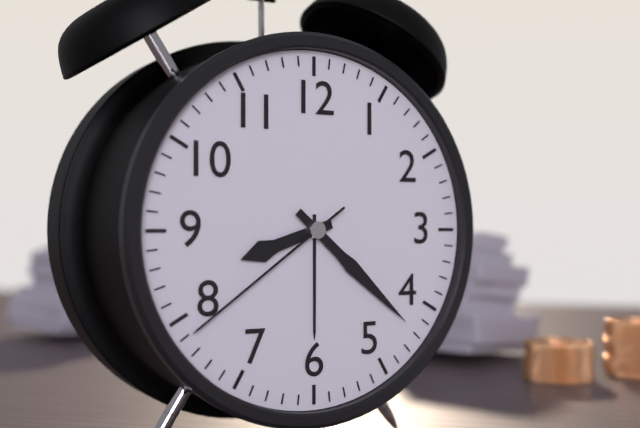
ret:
8,22,39
